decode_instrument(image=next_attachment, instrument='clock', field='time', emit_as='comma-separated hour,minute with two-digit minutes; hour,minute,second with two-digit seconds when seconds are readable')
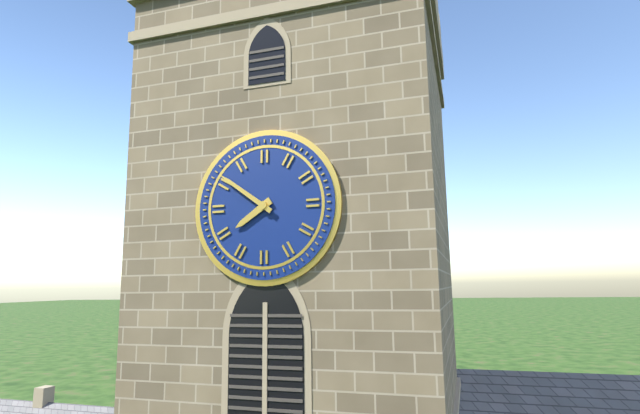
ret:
7,51
